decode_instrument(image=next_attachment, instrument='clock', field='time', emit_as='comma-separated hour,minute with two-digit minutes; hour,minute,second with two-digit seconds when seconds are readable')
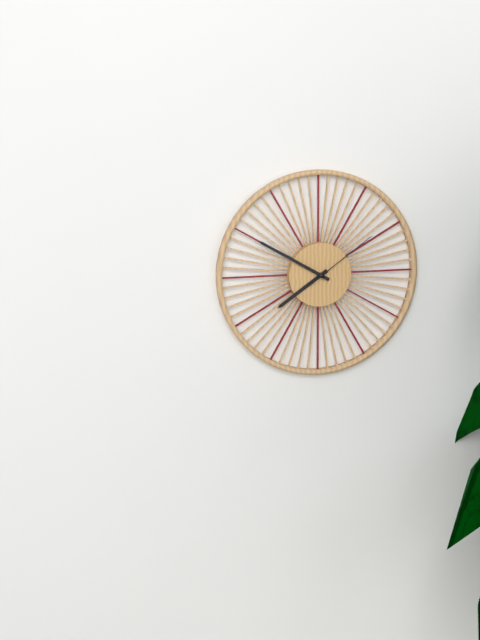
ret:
7,50,09
